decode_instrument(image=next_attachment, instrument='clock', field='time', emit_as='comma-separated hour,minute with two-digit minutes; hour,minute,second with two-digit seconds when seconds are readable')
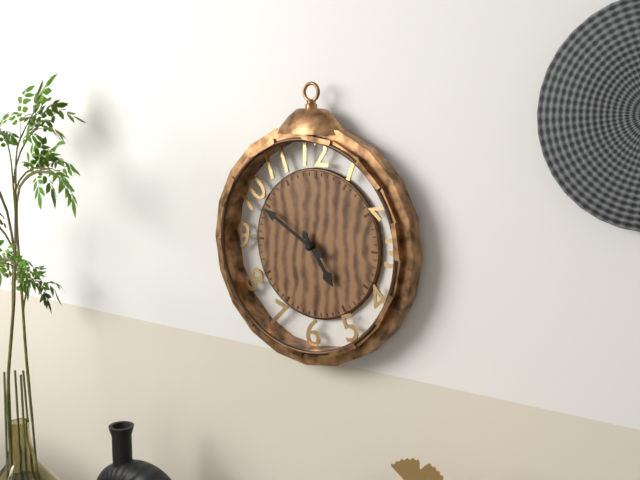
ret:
4,50
